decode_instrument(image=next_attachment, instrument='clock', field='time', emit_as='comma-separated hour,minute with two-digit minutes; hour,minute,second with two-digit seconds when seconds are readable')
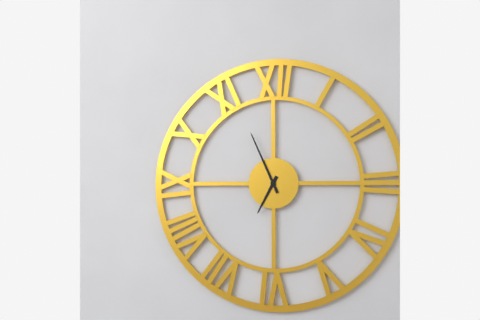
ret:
6,56
